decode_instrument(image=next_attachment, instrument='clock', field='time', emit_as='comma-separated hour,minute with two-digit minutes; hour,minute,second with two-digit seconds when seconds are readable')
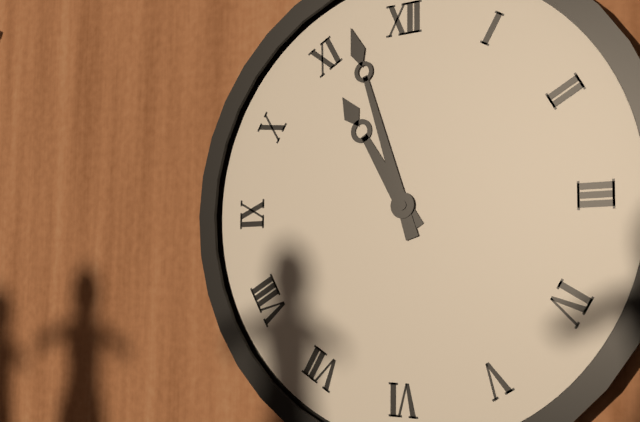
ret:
10,57
